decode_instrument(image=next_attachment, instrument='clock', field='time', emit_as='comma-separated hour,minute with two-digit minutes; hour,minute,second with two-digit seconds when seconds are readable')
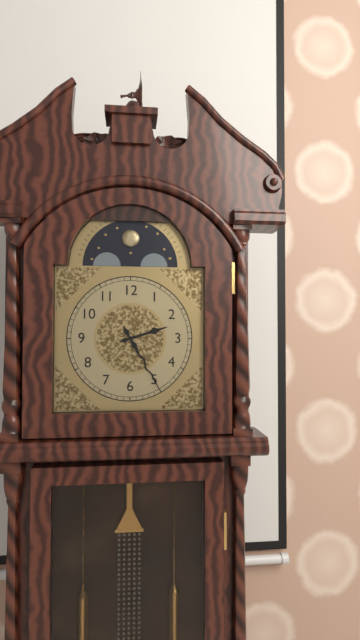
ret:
2,25
